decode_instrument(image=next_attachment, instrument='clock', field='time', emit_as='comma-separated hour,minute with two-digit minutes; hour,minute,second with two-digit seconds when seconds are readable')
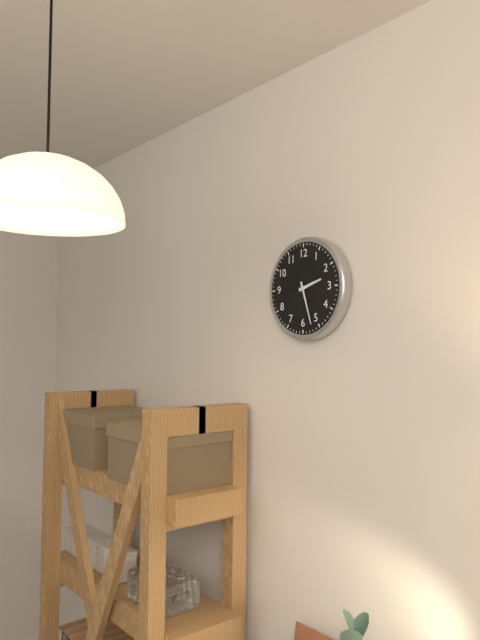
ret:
2,27
